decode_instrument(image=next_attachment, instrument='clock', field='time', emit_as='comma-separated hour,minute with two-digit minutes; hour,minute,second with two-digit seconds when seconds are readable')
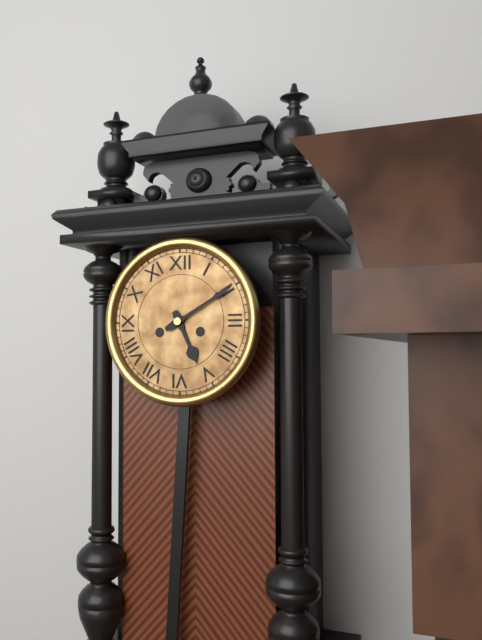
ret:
5,10
